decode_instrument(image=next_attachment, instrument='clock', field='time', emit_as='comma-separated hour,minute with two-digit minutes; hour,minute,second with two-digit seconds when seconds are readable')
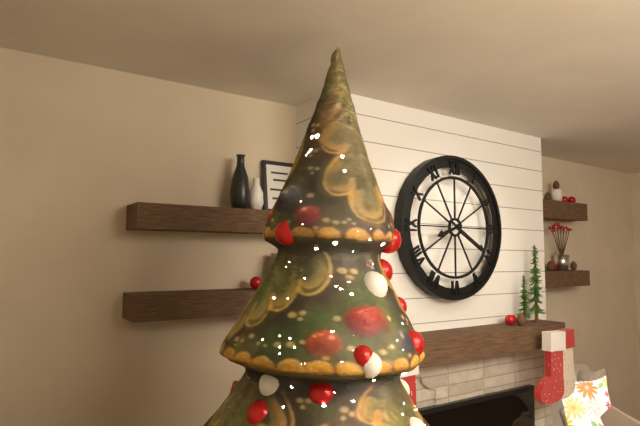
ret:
8,20
